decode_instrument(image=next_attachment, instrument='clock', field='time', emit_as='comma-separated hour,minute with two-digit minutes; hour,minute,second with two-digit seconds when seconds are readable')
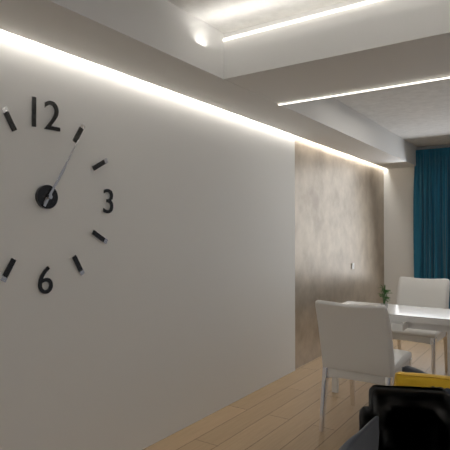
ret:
1,05
